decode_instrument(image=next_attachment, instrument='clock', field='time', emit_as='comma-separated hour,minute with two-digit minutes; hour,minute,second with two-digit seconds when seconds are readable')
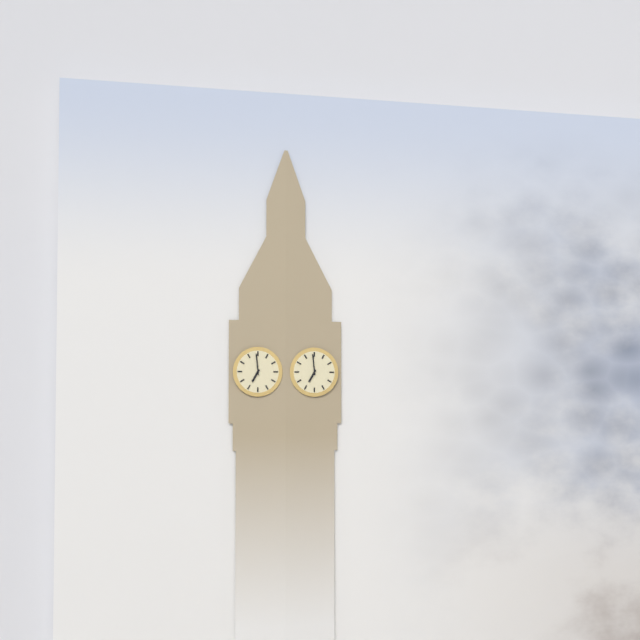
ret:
6,59
